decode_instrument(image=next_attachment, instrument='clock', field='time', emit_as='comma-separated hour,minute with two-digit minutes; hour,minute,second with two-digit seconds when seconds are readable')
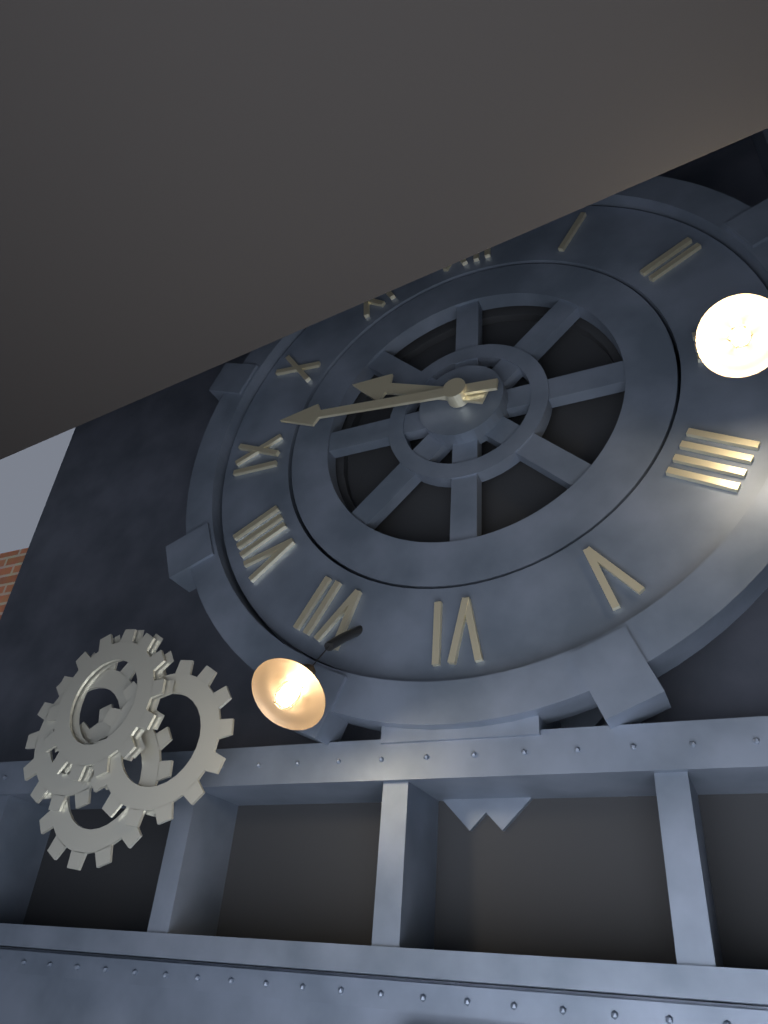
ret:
9,46
